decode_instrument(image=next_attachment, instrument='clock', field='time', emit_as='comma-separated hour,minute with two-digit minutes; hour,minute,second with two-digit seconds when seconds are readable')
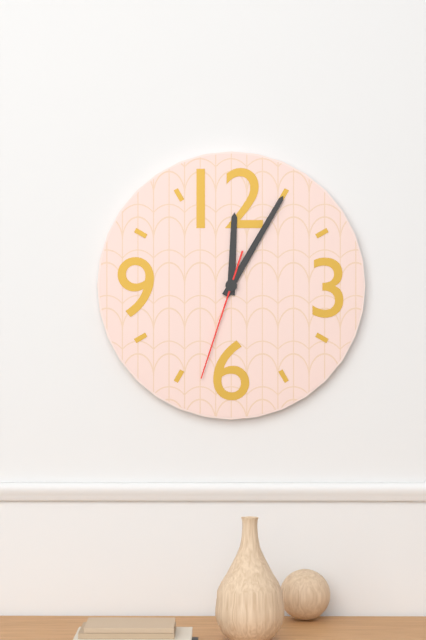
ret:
12,05,33
